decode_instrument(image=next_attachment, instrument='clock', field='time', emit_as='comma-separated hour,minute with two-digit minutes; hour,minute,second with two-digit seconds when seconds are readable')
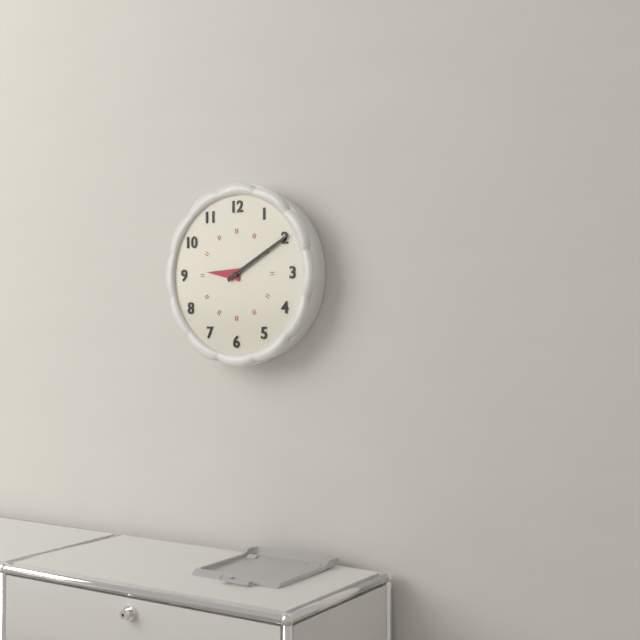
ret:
9,10
